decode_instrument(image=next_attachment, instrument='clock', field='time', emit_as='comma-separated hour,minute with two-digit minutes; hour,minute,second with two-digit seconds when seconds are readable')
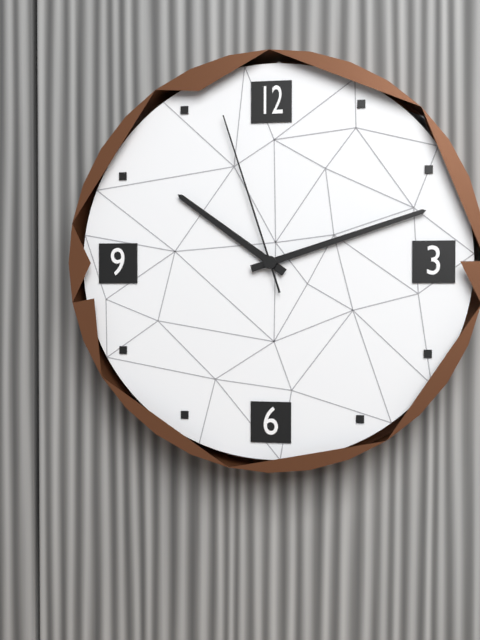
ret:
10,12,57
